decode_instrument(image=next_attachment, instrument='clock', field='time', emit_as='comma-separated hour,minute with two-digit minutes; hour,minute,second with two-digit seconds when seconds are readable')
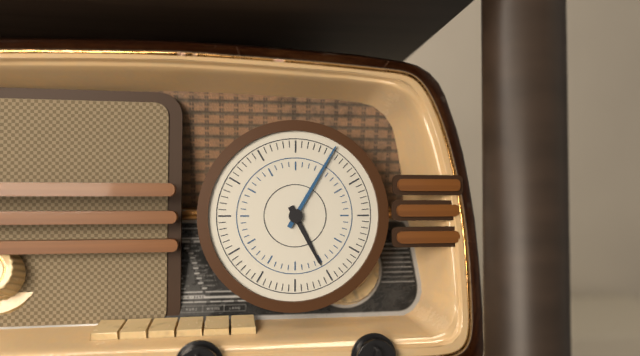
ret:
5,05
